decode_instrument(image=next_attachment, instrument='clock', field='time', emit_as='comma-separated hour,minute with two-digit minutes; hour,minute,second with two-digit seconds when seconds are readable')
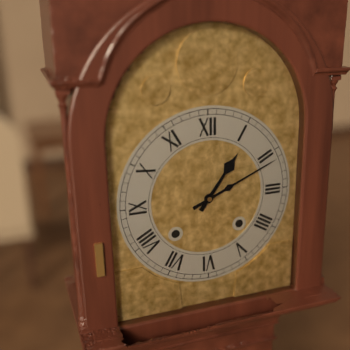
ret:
1,11
